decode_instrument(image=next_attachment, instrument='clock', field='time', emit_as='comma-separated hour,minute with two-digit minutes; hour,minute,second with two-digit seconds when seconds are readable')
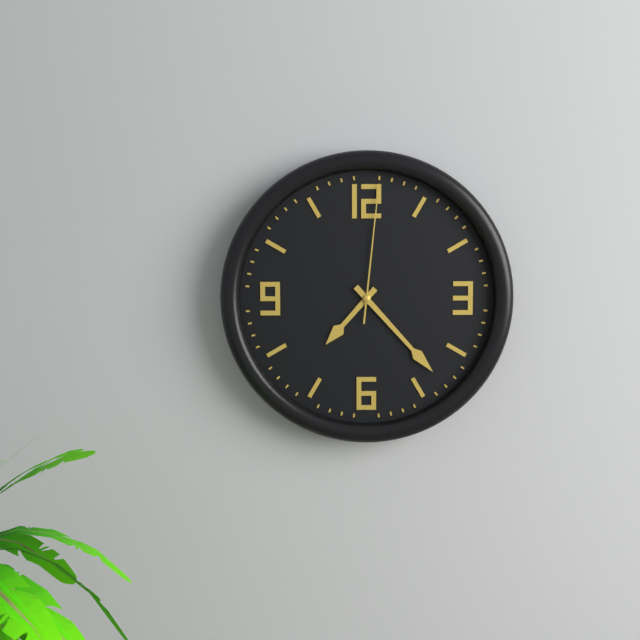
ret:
7,23,01
